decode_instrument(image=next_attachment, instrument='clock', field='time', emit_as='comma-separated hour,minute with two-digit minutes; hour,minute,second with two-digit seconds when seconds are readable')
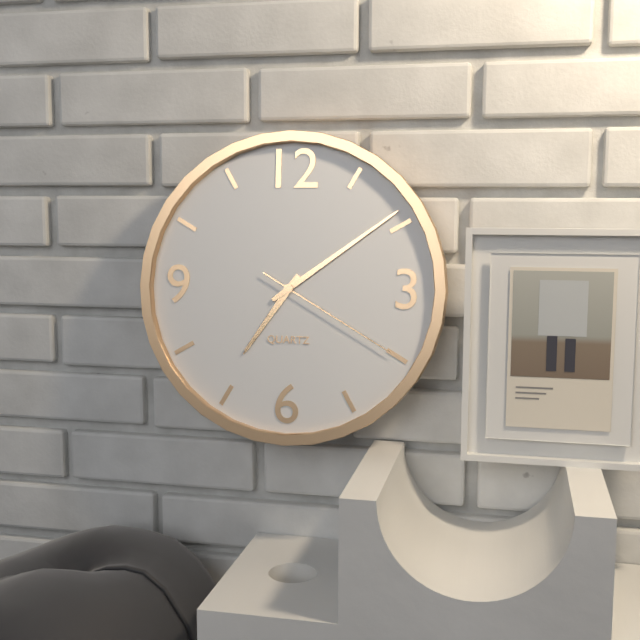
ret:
7,09,20
